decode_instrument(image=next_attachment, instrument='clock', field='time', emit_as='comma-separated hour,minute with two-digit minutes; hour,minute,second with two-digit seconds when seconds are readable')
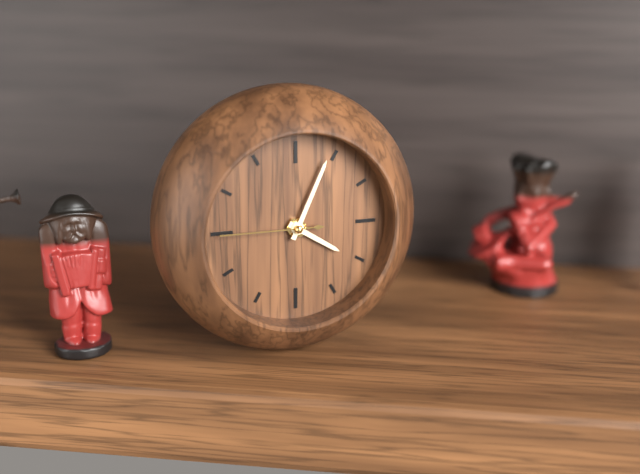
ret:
4,04,45
